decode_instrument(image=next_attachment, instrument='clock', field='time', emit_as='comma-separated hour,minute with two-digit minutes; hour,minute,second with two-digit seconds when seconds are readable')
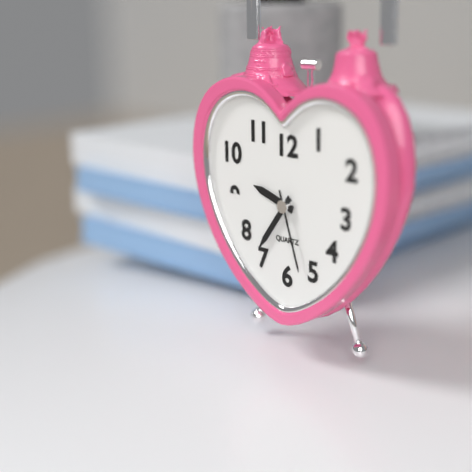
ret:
9,36,27
